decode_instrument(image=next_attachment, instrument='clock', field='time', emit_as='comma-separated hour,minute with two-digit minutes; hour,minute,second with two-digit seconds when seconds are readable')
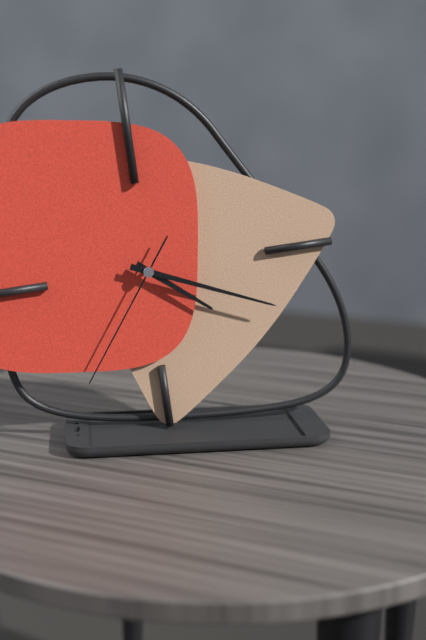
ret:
4,19,36
